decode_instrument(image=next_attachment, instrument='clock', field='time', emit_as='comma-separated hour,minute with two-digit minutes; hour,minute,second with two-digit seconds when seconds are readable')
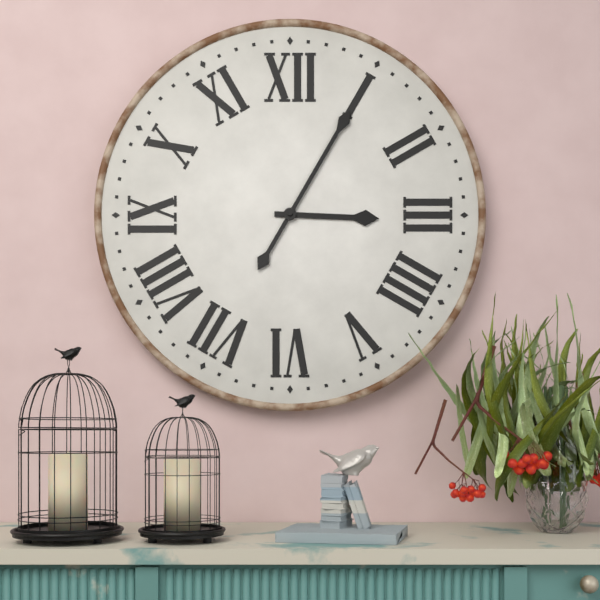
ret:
3,05
